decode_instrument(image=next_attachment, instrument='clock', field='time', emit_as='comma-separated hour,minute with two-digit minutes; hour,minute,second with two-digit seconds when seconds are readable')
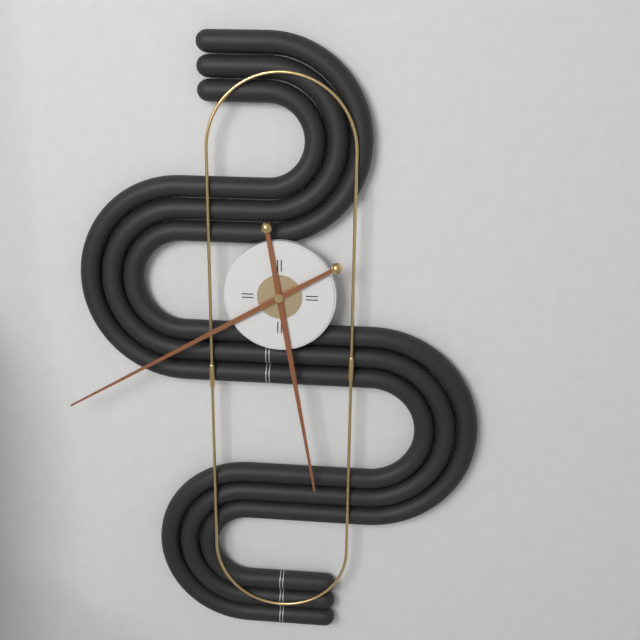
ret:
5,40
